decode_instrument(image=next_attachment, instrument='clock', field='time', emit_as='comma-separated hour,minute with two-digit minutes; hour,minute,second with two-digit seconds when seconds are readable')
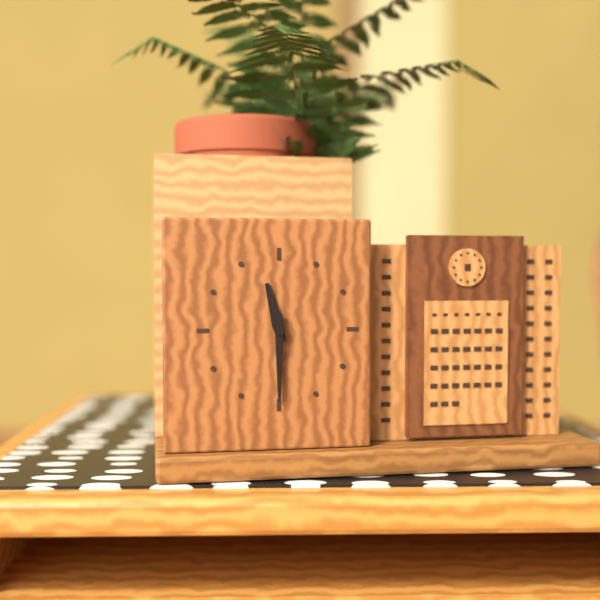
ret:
11,30
